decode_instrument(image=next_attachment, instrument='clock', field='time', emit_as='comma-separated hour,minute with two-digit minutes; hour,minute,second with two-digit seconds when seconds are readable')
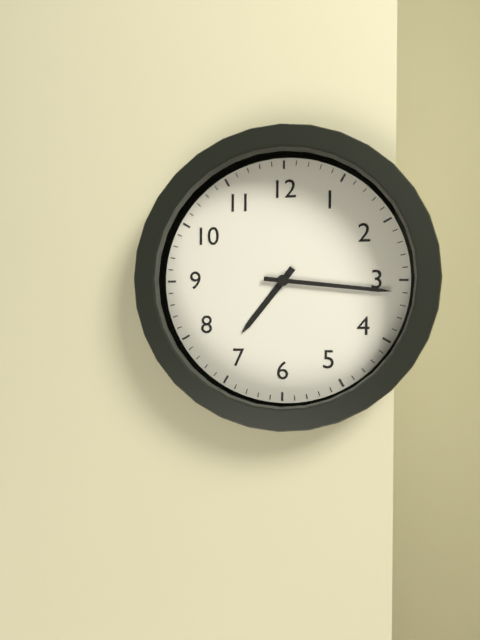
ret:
7,16
